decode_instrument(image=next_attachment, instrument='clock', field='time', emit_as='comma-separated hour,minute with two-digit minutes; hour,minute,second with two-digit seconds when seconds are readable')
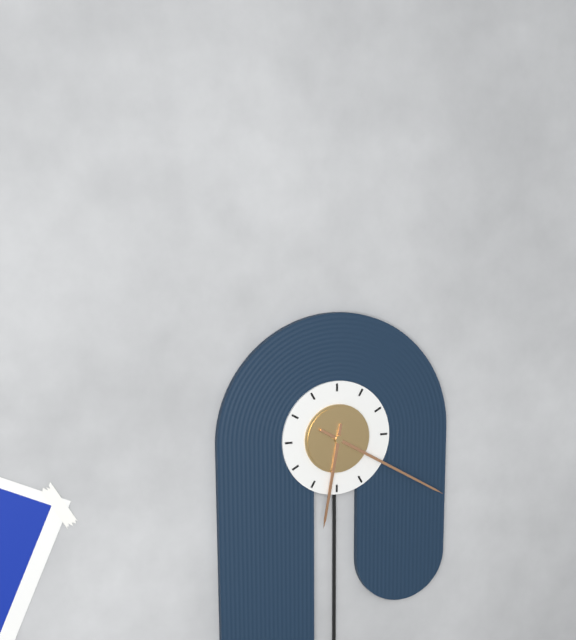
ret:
6,20
